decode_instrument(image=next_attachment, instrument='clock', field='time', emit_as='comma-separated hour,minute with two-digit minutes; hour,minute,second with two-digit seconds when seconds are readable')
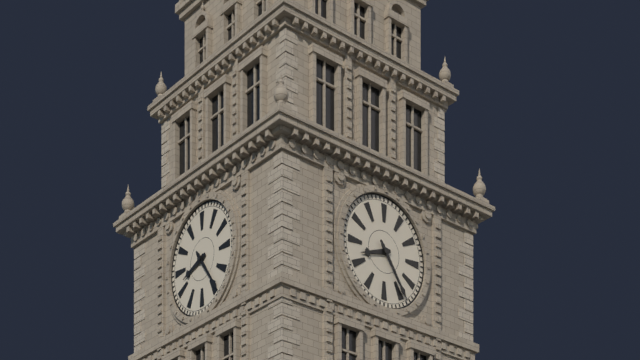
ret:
8,24
